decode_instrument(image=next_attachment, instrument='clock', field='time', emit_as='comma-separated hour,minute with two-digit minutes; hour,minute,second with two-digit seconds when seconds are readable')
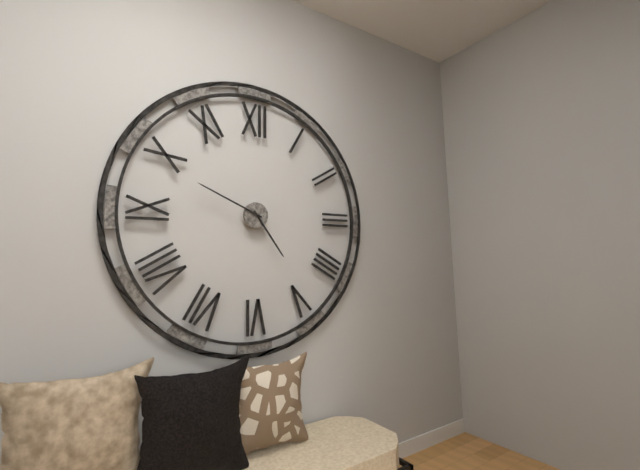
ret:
4,49
